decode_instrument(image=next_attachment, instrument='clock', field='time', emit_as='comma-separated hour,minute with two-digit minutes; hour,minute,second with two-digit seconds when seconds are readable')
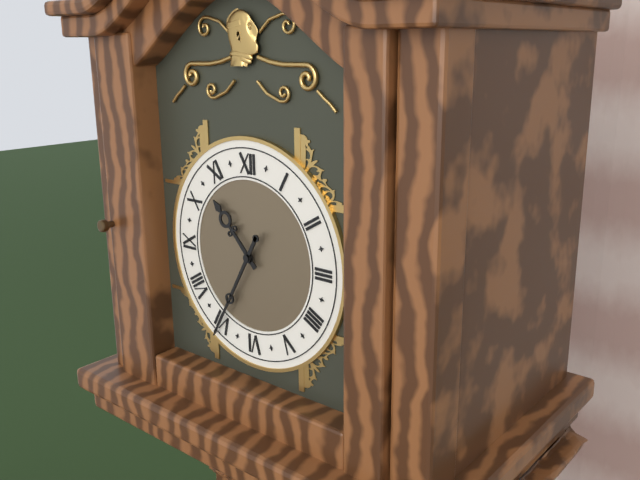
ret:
10,35
